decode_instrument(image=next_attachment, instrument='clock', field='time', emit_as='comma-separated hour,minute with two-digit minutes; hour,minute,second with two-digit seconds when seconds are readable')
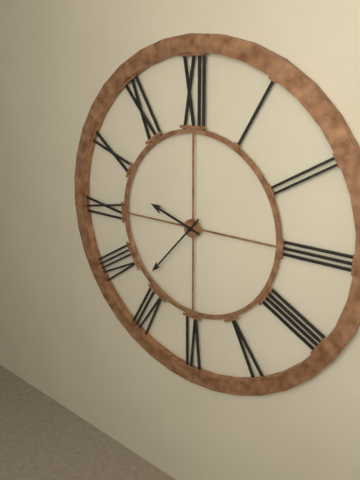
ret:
9,37
